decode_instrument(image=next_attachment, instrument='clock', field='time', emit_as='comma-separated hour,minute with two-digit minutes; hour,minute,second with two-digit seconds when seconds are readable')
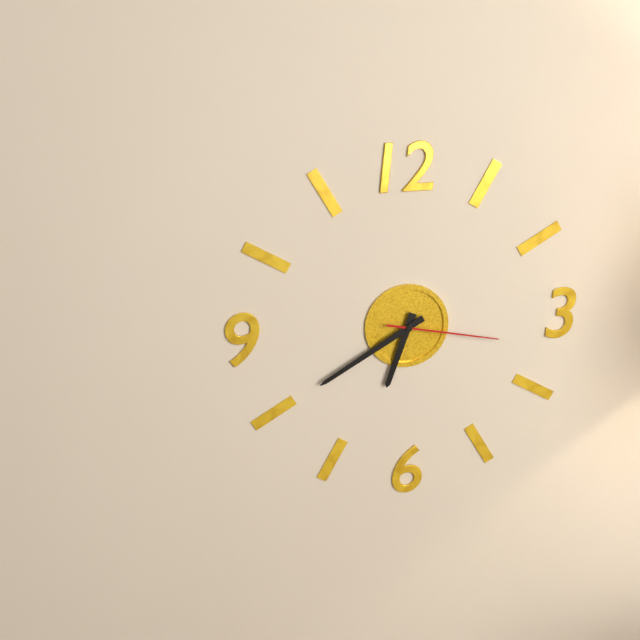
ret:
6,40,17
